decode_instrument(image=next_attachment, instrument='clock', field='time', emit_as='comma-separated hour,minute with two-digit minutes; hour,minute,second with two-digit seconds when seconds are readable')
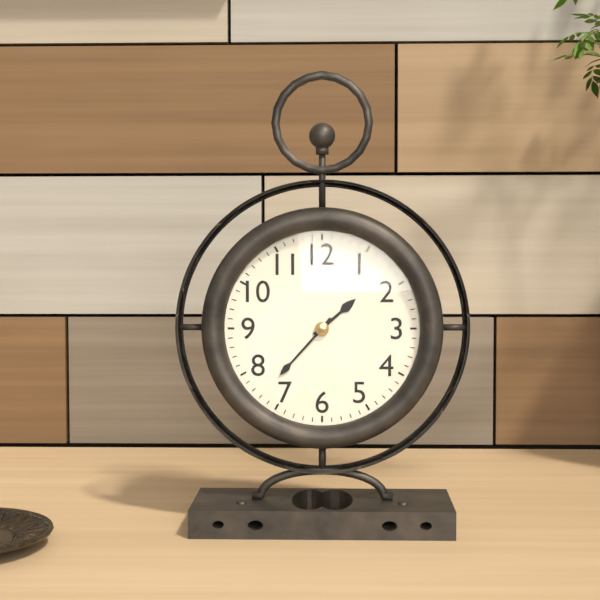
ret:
1,37
